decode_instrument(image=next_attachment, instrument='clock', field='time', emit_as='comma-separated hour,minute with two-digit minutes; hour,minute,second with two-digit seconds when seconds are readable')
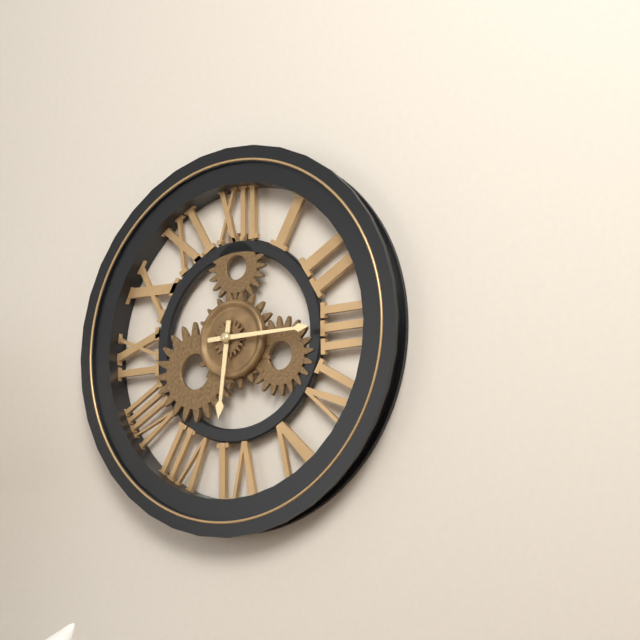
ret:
6,15
